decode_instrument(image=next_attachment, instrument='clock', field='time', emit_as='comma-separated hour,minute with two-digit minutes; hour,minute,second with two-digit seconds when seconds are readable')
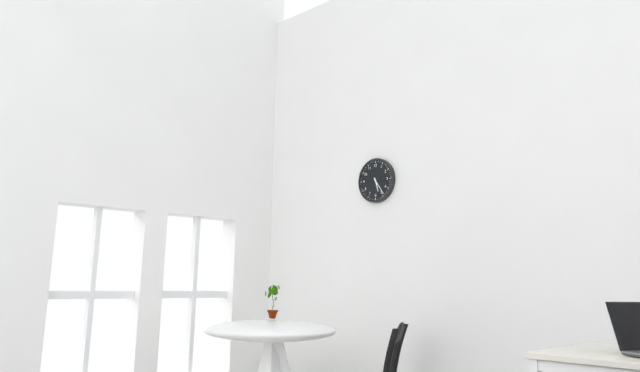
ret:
5,24
